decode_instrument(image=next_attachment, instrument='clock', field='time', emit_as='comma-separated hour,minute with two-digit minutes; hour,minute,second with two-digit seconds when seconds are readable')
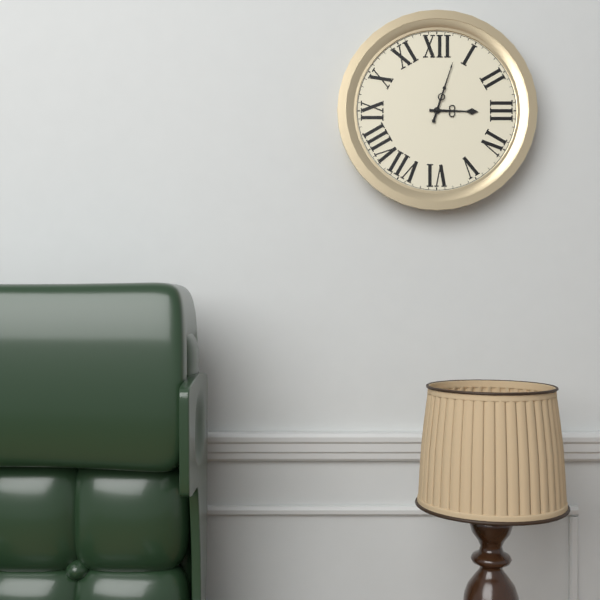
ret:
3,03
